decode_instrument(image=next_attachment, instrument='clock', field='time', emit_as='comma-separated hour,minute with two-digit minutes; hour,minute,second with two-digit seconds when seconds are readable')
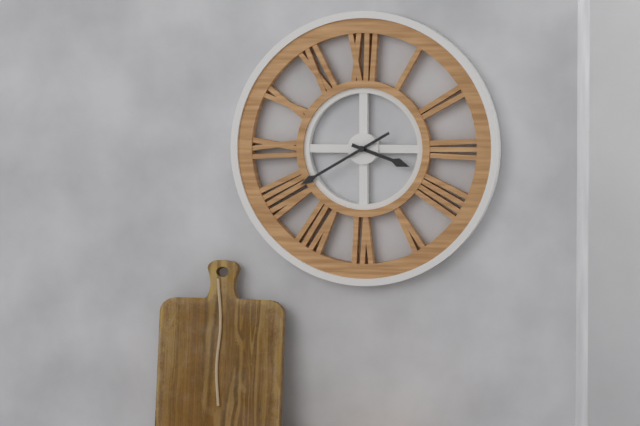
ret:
3,40
